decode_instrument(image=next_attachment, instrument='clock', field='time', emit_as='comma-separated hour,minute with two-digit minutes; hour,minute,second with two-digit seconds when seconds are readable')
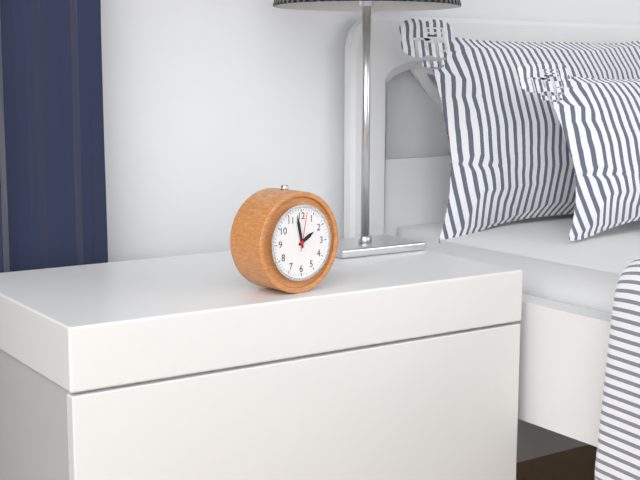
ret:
1,58
